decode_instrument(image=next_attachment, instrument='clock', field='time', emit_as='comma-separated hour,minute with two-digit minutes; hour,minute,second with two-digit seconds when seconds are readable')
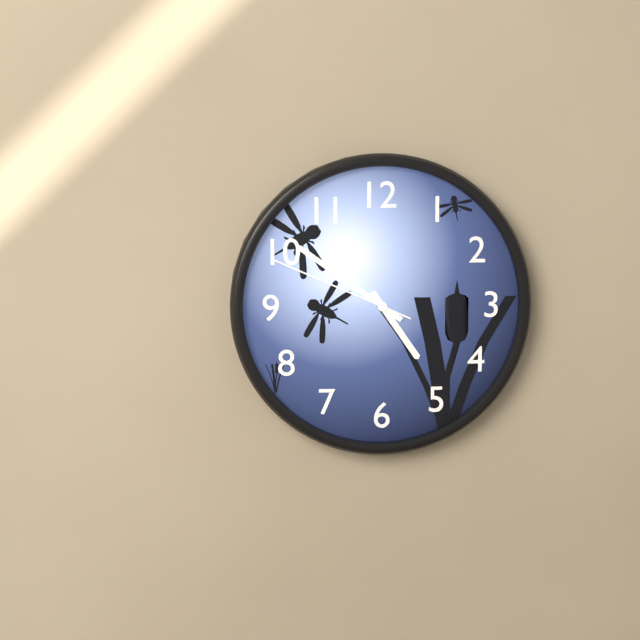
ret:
4,51,49
